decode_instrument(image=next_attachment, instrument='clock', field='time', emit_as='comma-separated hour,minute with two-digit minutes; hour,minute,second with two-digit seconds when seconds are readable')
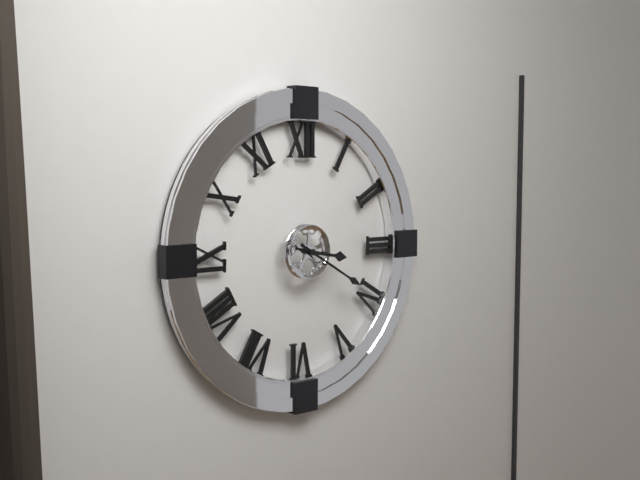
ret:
3,20
